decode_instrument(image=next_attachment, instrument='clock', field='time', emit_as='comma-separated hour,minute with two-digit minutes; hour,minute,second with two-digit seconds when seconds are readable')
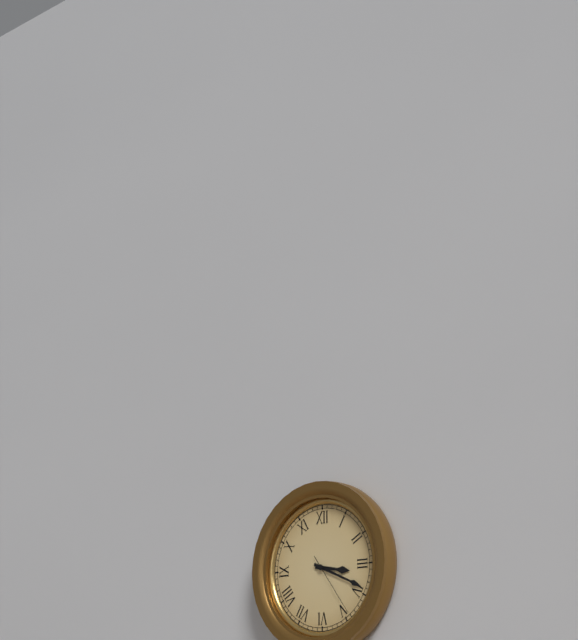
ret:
3,19,24
